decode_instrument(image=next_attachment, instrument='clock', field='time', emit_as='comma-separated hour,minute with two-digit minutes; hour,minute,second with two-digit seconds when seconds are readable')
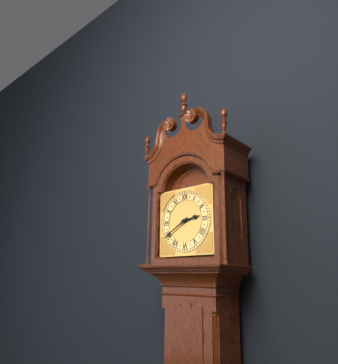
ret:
2,40
